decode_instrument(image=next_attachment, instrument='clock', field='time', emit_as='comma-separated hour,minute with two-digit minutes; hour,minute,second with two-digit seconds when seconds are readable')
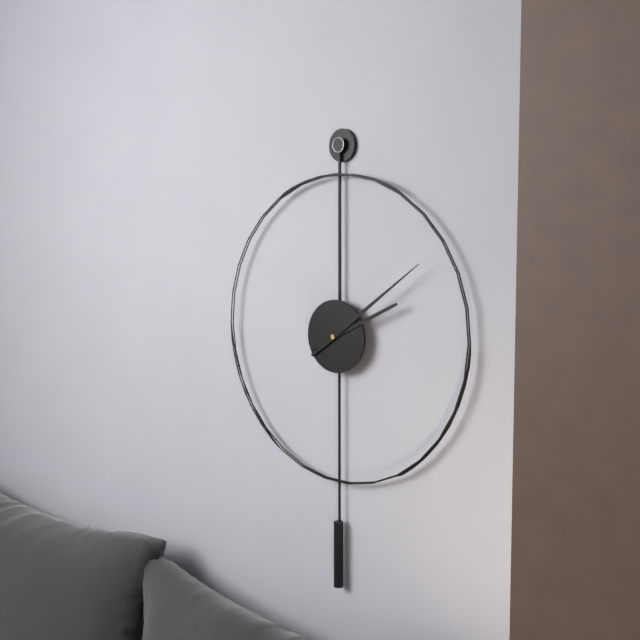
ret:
2,09
